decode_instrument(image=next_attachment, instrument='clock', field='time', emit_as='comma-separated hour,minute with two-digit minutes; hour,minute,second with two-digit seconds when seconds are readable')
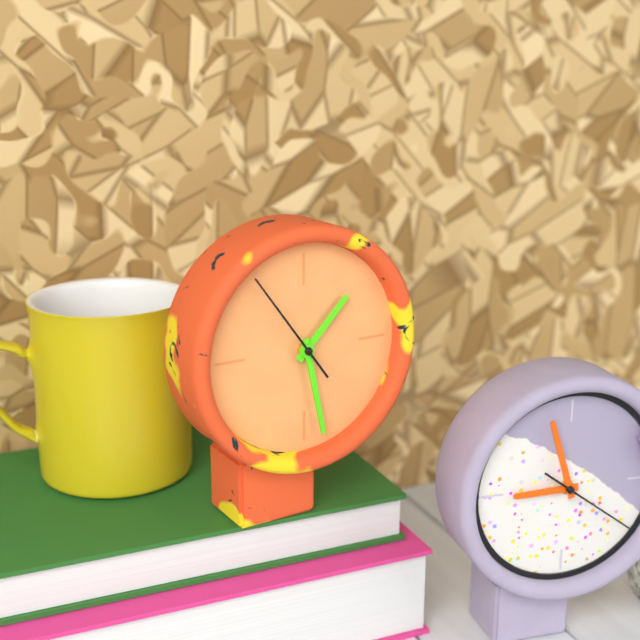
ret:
1,28,54
